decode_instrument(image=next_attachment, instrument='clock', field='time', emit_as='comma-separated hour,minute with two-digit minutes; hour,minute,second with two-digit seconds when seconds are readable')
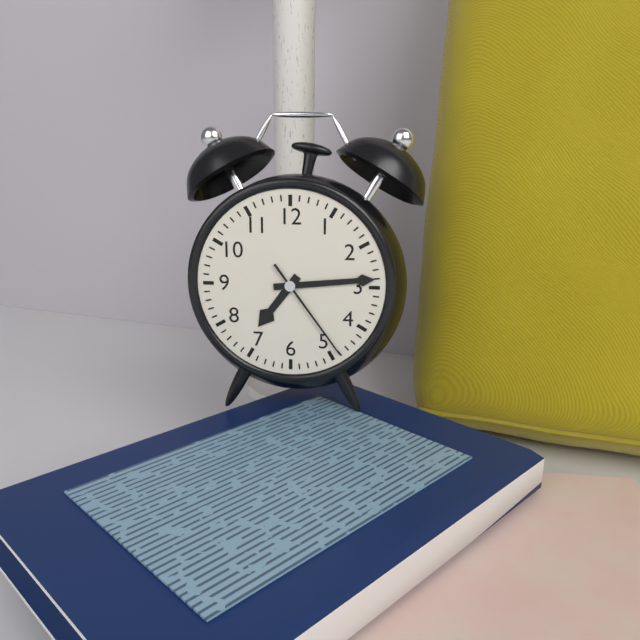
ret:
7,14,24
